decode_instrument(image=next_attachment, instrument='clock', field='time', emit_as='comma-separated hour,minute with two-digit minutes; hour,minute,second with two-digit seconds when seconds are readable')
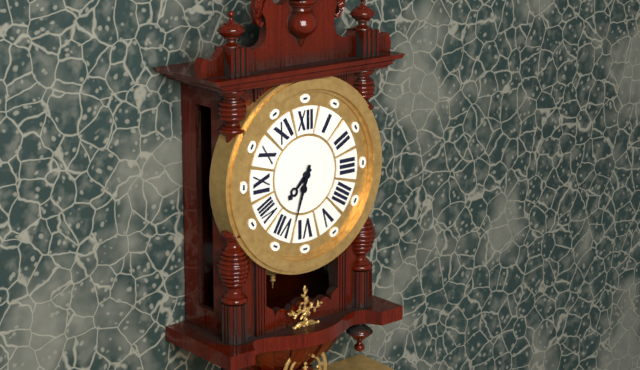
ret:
7,33
